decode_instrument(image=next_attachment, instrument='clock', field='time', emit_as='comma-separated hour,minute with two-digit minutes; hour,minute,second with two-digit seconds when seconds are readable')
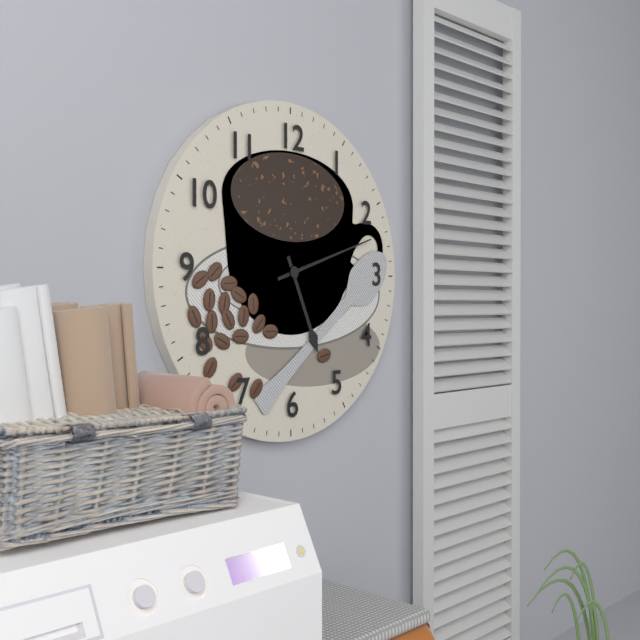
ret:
5,12
